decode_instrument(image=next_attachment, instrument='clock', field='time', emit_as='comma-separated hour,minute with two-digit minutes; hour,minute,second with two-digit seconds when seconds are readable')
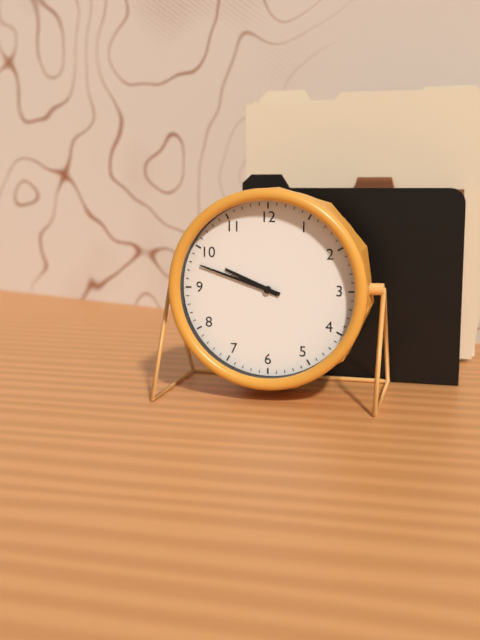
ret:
9,48
